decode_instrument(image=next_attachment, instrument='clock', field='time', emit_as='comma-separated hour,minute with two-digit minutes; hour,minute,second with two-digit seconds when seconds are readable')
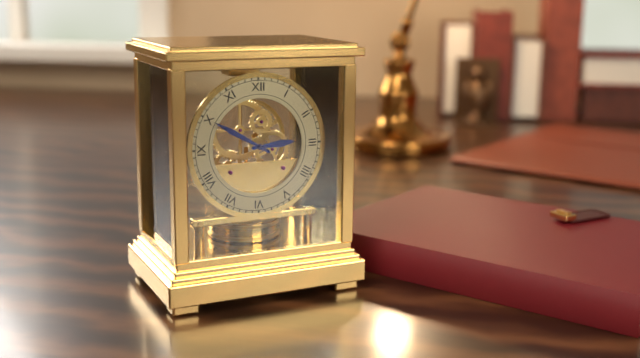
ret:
2,50
